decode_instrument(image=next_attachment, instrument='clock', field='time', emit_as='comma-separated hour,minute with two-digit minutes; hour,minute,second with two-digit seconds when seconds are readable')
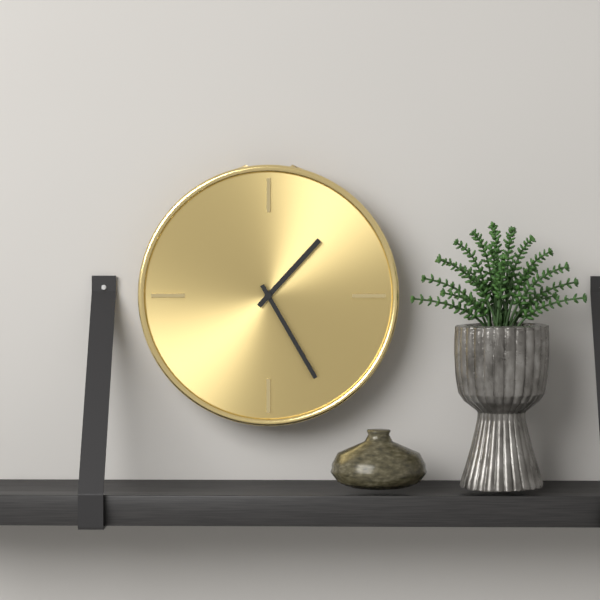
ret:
1,25
